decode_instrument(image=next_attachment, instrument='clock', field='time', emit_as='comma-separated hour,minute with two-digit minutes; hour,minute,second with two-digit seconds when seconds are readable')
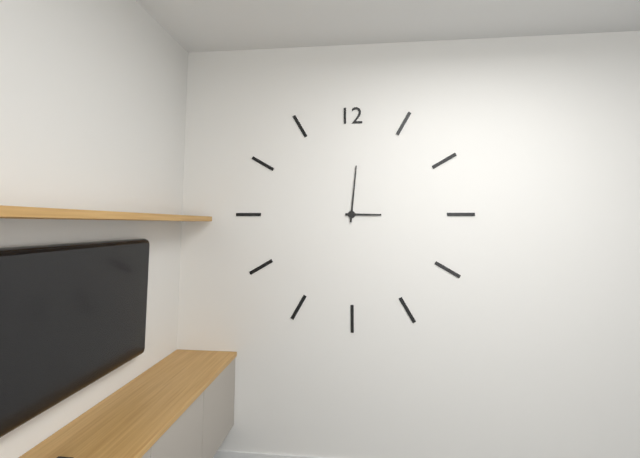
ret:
3,01
